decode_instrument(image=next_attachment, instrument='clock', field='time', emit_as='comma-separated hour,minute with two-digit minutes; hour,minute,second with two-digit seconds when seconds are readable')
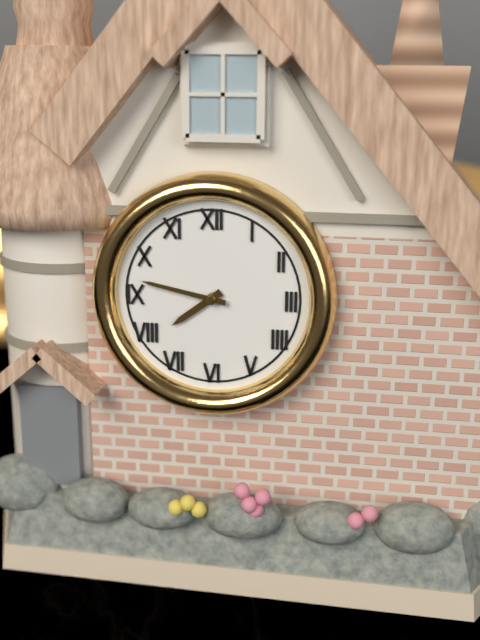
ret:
7,47
